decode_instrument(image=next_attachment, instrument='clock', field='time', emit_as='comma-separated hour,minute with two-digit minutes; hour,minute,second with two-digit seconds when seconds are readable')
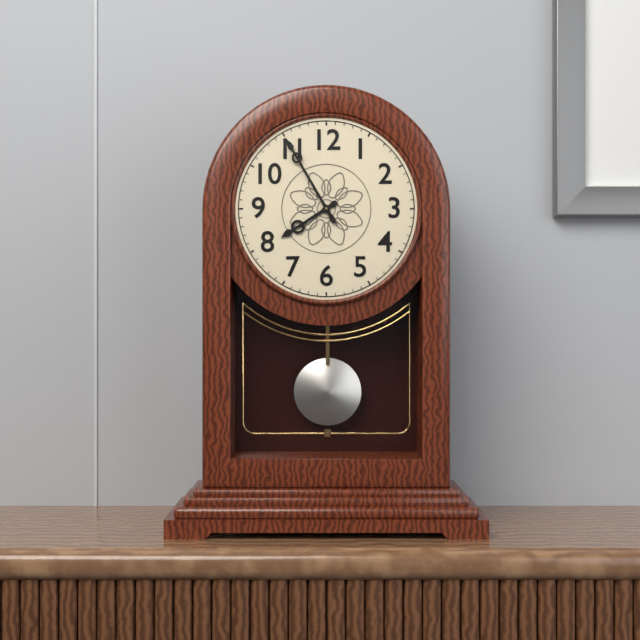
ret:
7,55
